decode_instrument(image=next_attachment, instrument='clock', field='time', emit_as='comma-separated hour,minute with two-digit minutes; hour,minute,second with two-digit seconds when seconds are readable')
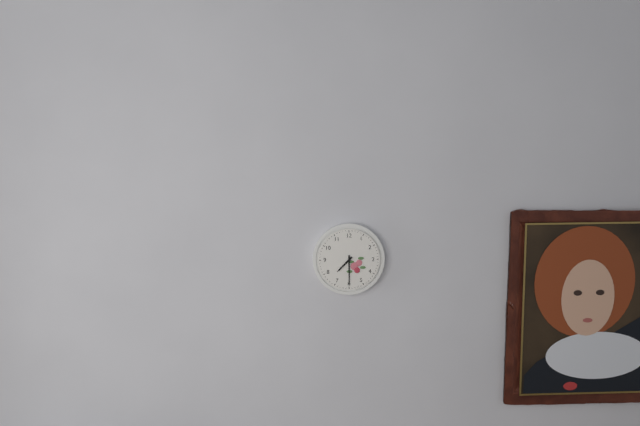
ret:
7,30
